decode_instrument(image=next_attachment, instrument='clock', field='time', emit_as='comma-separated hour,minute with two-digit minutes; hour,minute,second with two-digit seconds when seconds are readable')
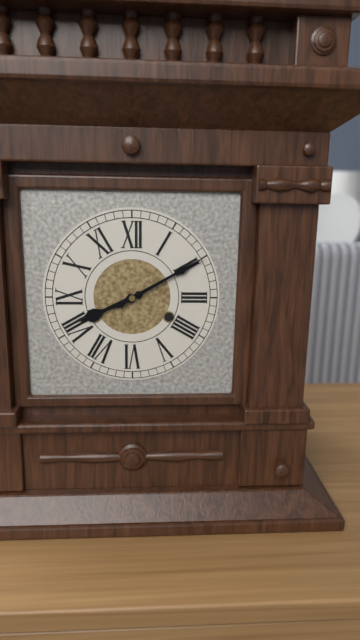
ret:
8,10
